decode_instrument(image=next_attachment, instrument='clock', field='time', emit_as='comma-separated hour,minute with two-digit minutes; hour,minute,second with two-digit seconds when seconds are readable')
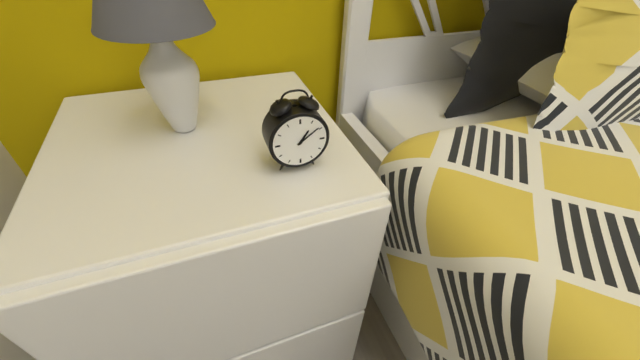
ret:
1,09
